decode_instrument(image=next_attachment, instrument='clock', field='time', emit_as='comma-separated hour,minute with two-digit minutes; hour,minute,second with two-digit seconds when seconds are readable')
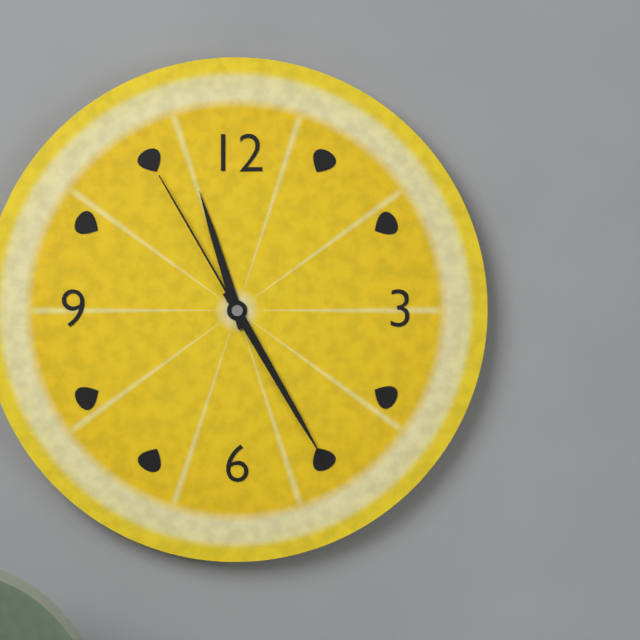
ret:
11,25,55
